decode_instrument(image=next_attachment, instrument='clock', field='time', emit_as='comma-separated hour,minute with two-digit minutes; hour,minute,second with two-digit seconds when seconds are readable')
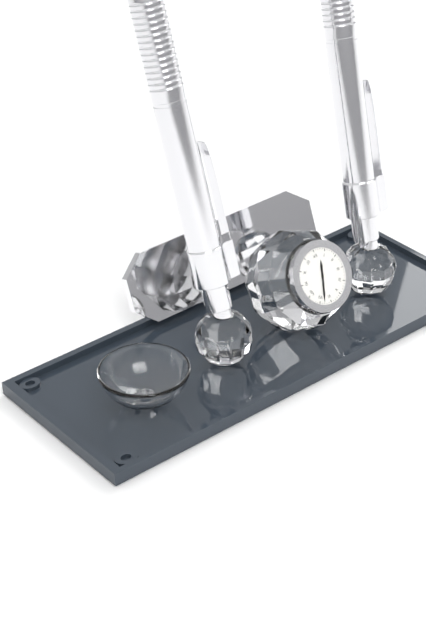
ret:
12,33
